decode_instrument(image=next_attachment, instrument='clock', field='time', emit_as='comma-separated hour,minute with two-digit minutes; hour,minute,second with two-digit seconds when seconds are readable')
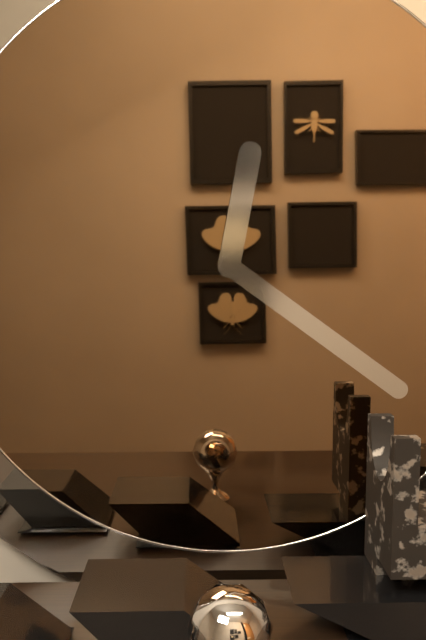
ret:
12,21
